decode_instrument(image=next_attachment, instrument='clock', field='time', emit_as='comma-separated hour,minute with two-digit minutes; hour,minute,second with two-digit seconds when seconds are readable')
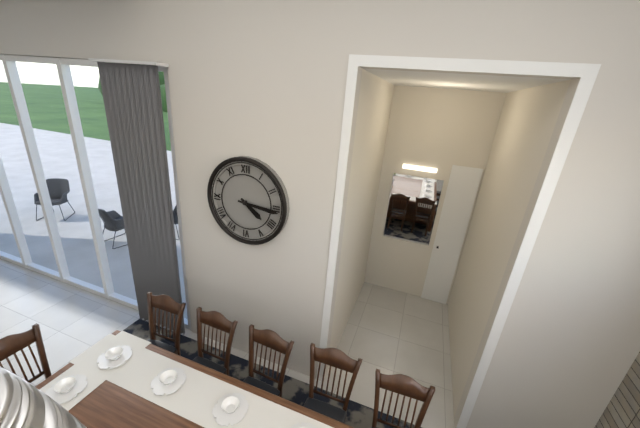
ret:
4,16
